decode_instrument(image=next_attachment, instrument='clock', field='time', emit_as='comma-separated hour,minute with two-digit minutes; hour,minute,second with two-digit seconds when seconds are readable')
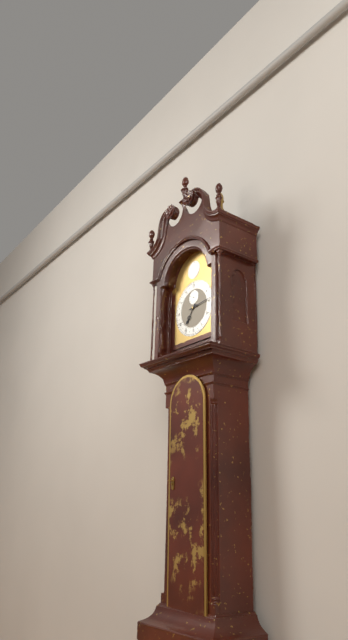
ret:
7,14
